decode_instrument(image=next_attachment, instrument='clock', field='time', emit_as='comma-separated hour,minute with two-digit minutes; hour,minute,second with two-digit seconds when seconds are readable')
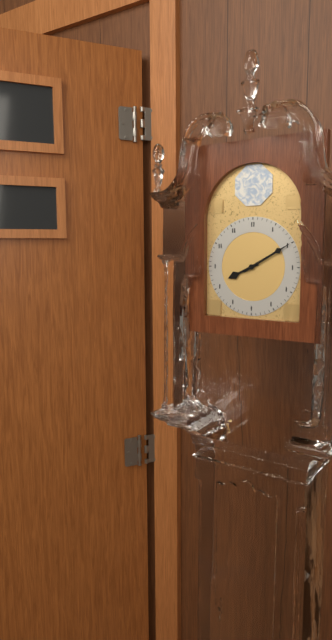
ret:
8,10
